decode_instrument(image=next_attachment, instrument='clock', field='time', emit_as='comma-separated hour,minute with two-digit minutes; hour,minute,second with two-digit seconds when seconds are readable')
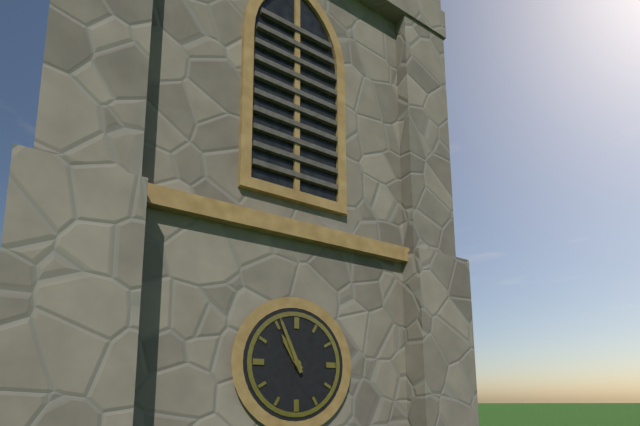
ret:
10,56
